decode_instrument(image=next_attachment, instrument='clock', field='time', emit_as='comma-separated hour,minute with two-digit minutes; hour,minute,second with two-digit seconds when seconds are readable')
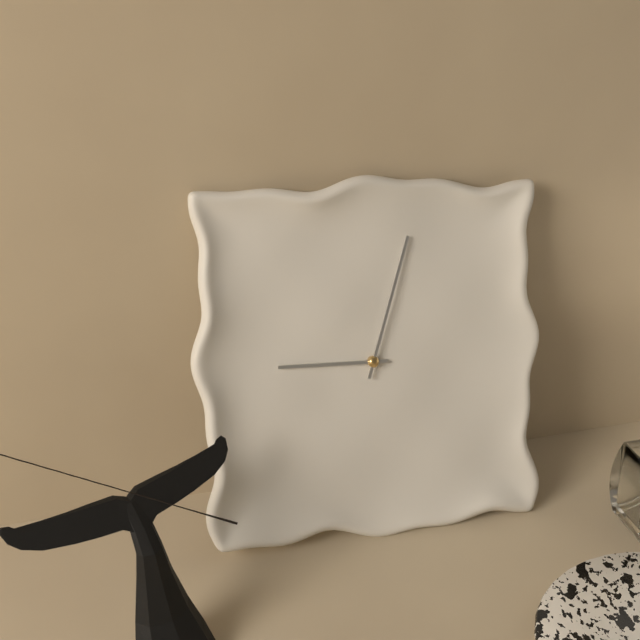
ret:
9,03
